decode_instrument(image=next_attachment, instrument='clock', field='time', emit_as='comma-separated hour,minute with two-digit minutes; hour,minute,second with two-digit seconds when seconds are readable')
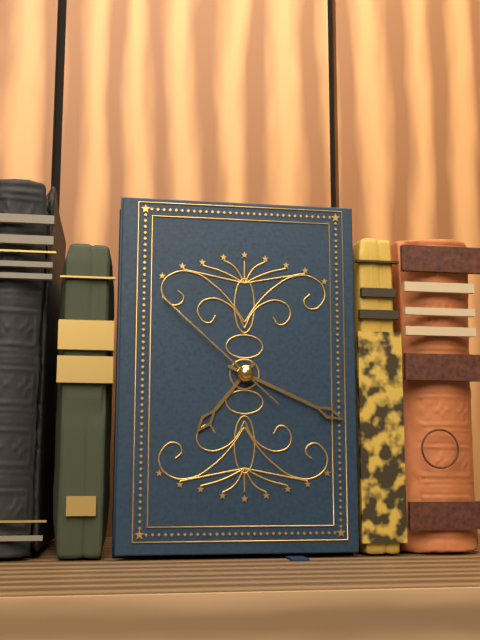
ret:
7,19,52
